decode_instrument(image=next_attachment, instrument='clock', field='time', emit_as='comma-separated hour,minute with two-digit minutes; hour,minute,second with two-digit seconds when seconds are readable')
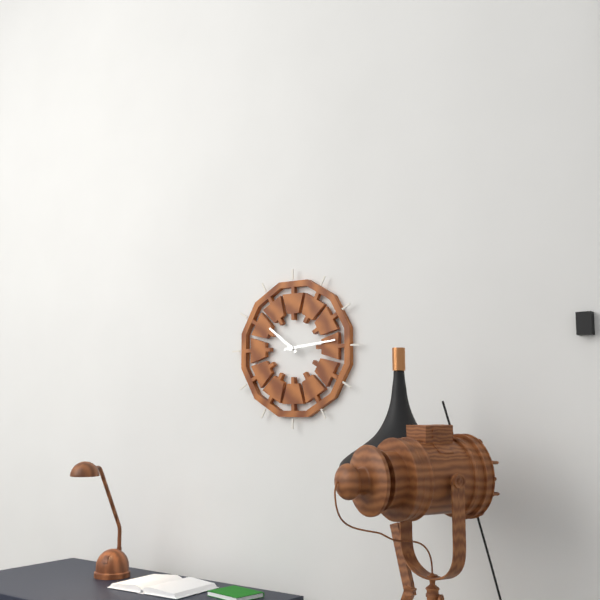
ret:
10,14
